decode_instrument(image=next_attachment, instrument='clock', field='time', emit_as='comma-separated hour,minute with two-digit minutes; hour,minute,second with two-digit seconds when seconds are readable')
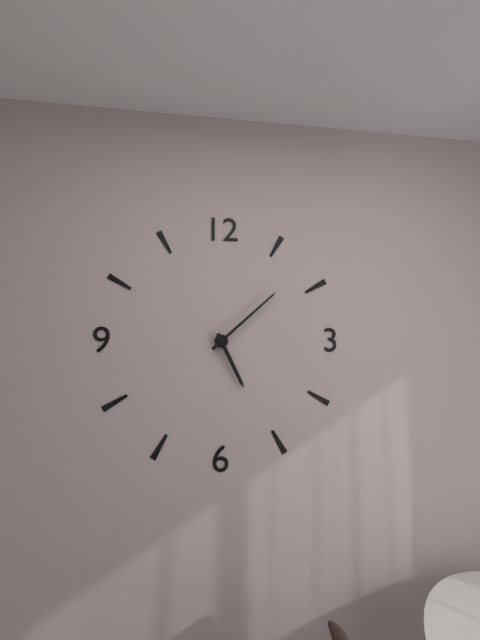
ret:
5,08
